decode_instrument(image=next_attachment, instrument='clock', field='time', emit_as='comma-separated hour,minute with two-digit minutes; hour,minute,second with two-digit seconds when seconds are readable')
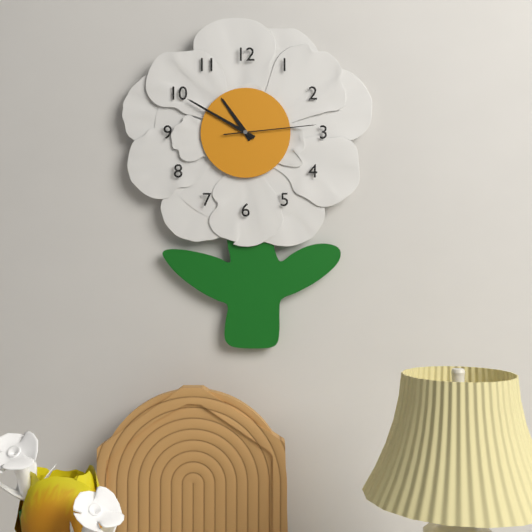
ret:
10,50,14
